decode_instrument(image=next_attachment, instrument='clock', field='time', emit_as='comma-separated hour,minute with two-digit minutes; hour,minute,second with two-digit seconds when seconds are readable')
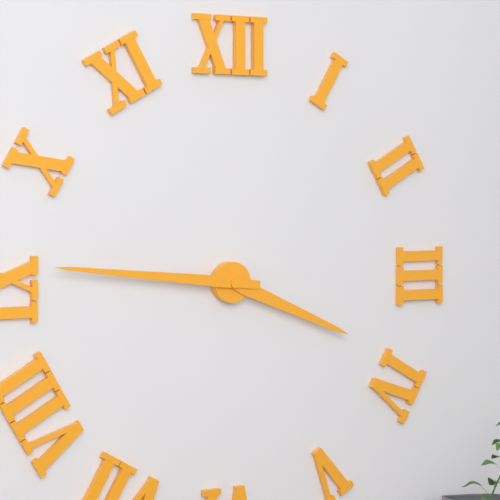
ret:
3,46
